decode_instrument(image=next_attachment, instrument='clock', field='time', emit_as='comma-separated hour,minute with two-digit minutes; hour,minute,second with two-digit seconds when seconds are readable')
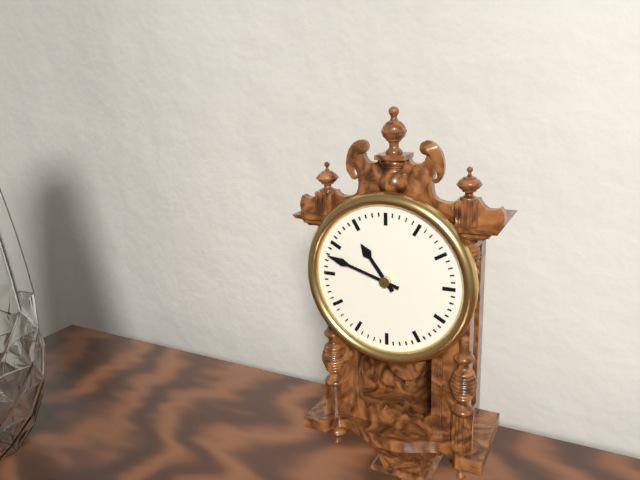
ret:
10,48
